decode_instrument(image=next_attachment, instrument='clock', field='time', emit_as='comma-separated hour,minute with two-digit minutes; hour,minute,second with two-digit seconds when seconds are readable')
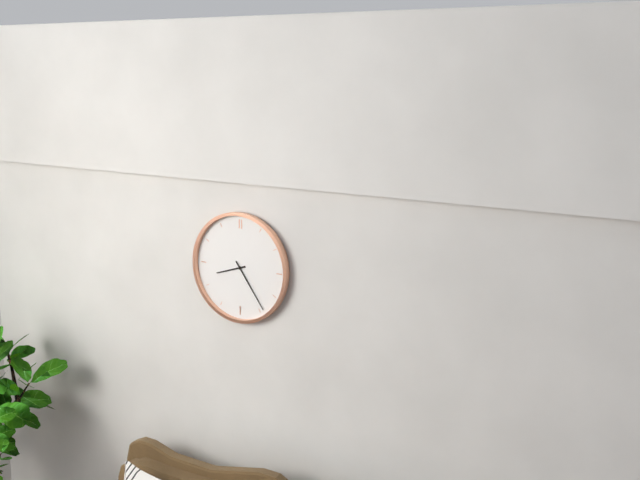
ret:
8,24
